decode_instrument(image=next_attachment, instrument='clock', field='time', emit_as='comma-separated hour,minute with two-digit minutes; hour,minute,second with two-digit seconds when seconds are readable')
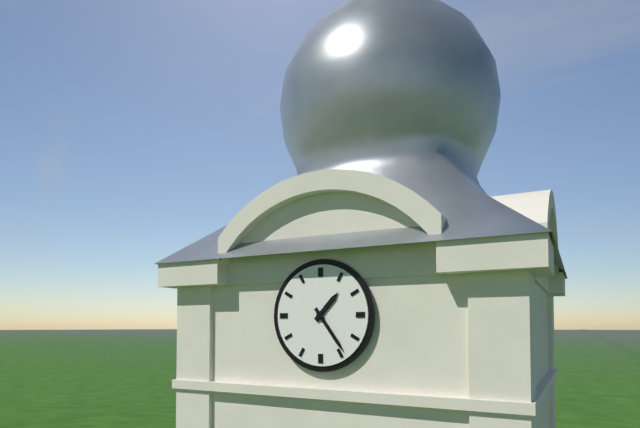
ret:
1,24
